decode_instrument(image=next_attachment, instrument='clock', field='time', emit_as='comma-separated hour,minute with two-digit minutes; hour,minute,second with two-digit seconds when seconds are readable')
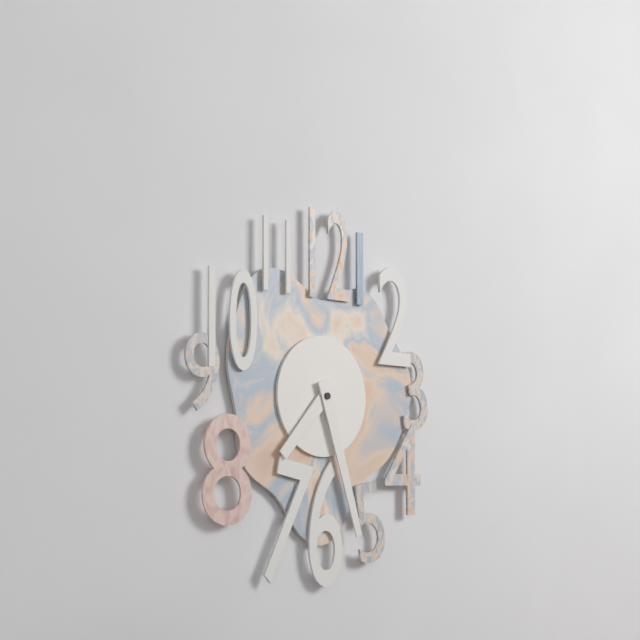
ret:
7,27
